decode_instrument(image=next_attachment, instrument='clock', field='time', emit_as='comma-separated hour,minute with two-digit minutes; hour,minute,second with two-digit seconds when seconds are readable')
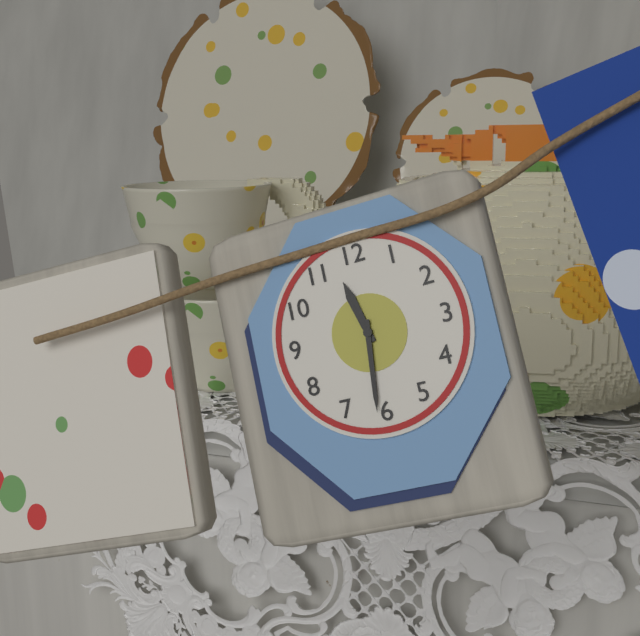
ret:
11,31
